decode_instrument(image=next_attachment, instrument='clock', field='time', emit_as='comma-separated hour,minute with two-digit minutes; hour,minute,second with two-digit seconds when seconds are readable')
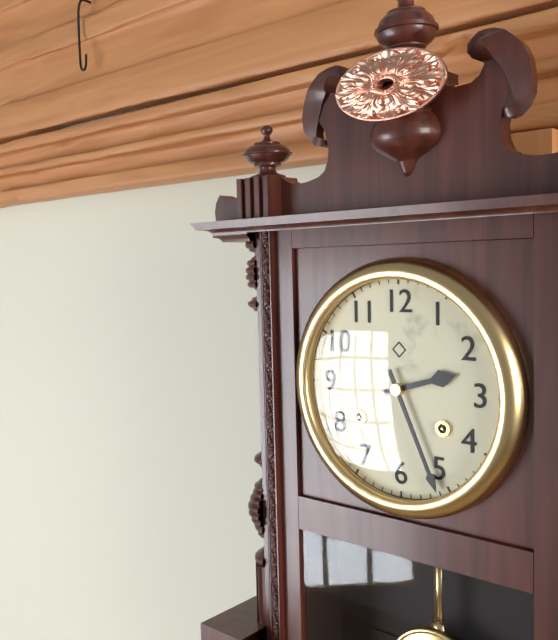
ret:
2,26
